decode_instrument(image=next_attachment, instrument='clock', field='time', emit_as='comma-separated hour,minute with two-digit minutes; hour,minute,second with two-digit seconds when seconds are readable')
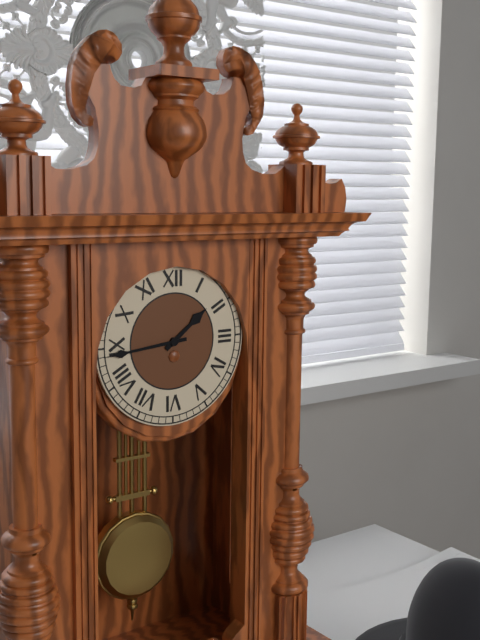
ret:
1,44
